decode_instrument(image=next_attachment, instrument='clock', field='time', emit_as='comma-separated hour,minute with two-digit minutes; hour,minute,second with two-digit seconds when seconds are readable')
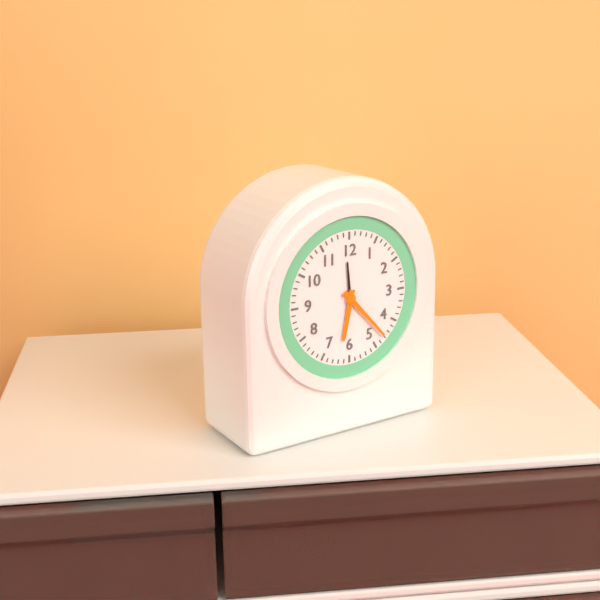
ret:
6,23
